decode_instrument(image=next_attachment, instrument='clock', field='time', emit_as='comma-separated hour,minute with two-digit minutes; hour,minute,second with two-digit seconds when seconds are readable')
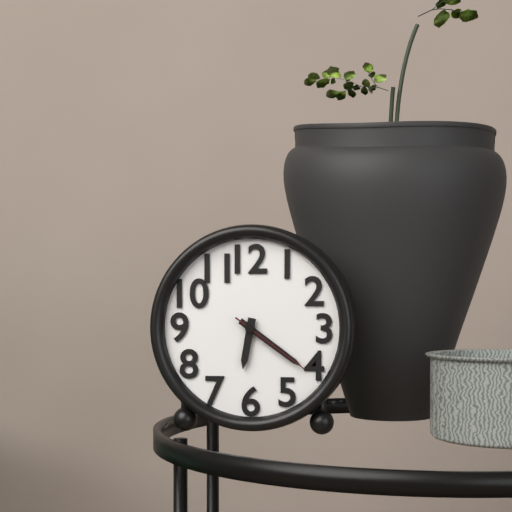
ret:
6,21,21
